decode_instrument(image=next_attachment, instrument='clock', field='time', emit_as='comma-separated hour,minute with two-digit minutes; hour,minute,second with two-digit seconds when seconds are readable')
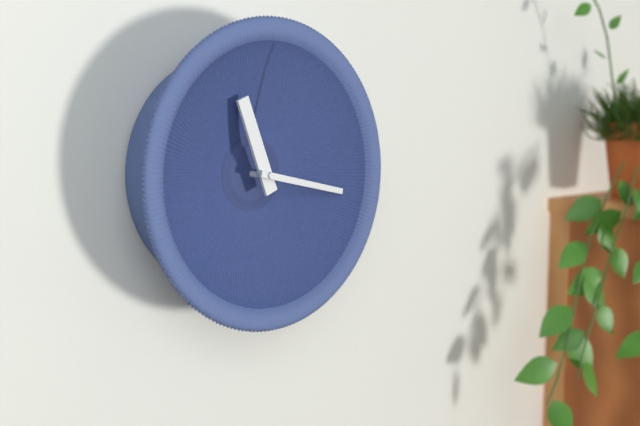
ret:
11,17
